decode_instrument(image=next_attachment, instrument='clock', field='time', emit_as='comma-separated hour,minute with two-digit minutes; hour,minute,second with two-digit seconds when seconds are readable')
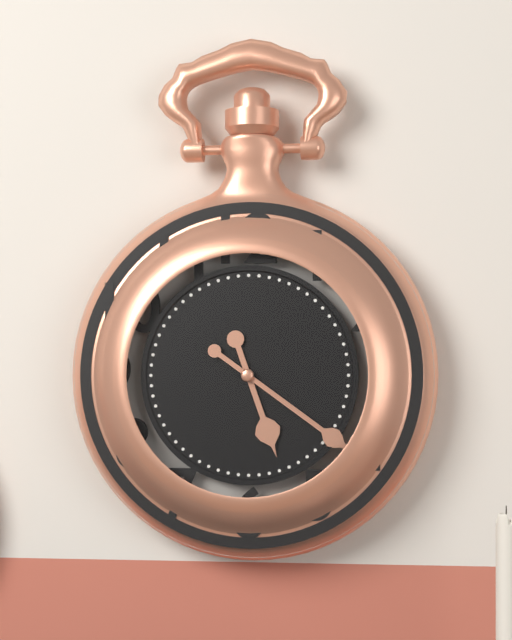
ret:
5,21
